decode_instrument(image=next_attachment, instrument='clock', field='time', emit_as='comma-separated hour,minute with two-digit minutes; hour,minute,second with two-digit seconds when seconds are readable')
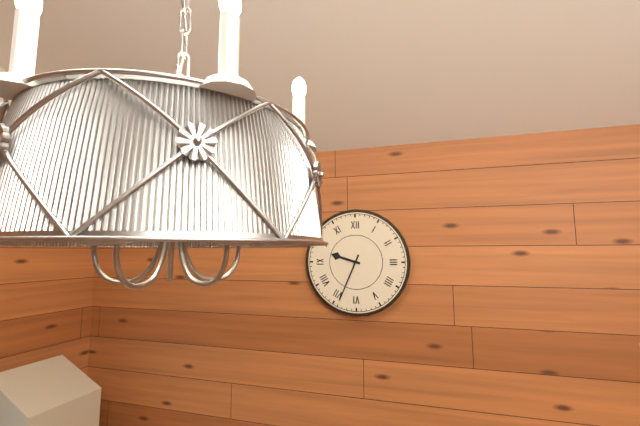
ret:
9,34
